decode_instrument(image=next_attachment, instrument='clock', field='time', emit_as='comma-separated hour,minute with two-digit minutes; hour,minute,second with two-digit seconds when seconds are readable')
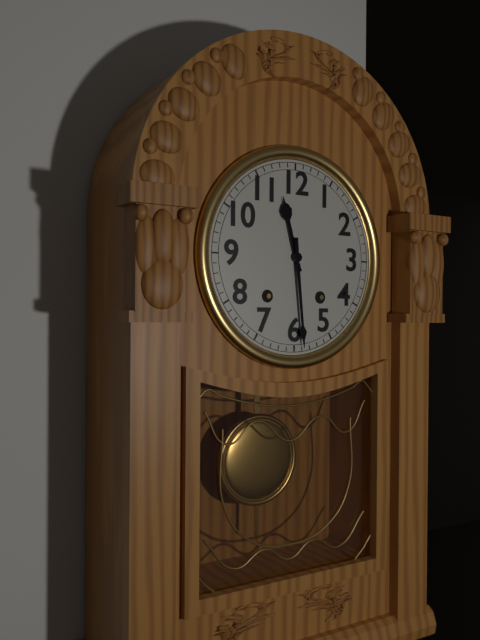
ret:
11,29
